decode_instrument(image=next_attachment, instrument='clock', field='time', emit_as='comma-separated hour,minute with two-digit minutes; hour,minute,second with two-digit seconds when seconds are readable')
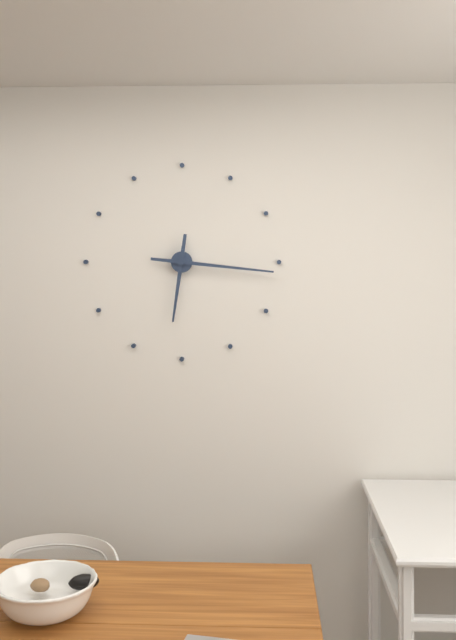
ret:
6,16
